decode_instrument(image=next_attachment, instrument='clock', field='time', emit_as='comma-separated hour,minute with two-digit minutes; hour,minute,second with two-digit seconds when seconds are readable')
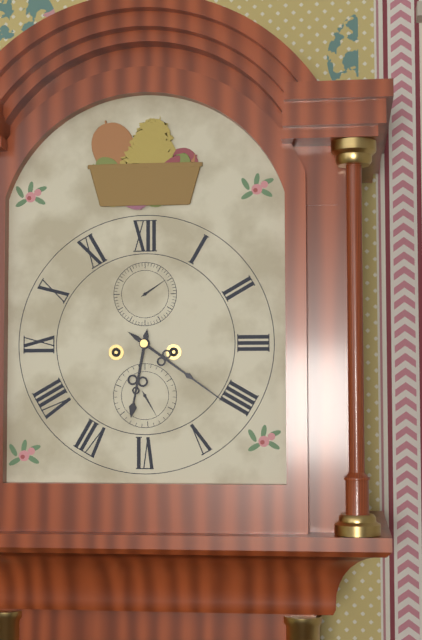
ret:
6,21
